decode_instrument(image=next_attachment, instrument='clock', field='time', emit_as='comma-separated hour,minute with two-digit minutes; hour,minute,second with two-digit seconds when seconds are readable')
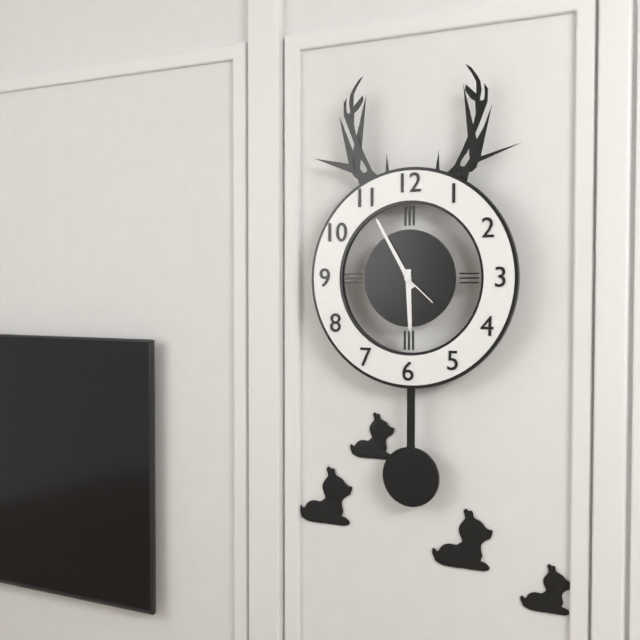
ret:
5,55
